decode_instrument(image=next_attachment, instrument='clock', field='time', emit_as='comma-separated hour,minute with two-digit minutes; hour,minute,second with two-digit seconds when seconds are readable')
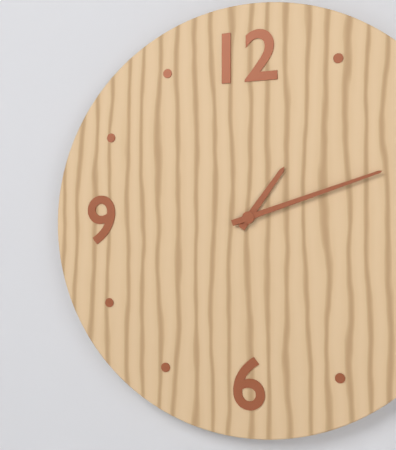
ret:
1,12
